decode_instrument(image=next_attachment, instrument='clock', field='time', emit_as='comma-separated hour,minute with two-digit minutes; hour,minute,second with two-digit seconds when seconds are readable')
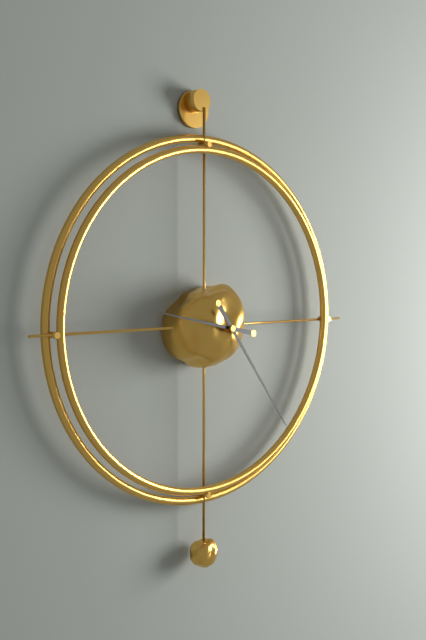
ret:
9,24
